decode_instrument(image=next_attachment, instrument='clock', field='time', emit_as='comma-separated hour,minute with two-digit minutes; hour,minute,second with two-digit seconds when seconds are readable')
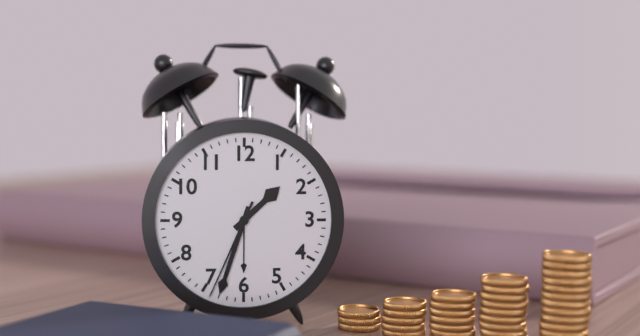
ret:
1,33,34
